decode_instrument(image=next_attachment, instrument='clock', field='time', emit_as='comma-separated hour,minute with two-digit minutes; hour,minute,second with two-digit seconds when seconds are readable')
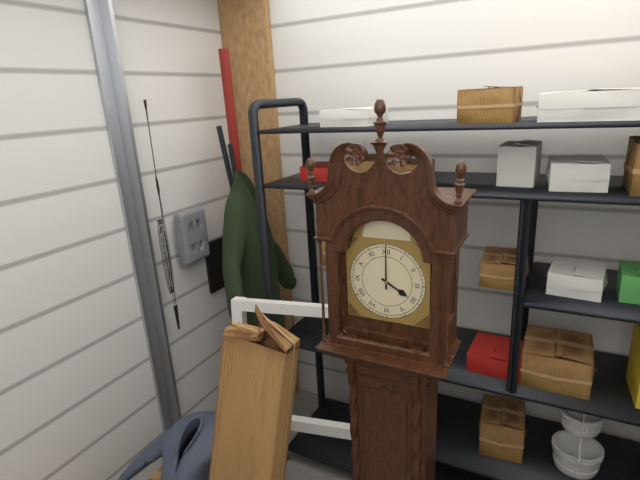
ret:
4,00
